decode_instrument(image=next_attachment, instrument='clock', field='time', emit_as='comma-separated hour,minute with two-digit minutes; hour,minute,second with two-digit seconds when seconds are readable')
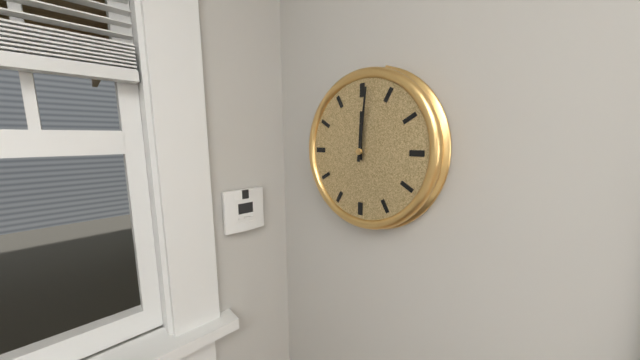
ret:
12,01
